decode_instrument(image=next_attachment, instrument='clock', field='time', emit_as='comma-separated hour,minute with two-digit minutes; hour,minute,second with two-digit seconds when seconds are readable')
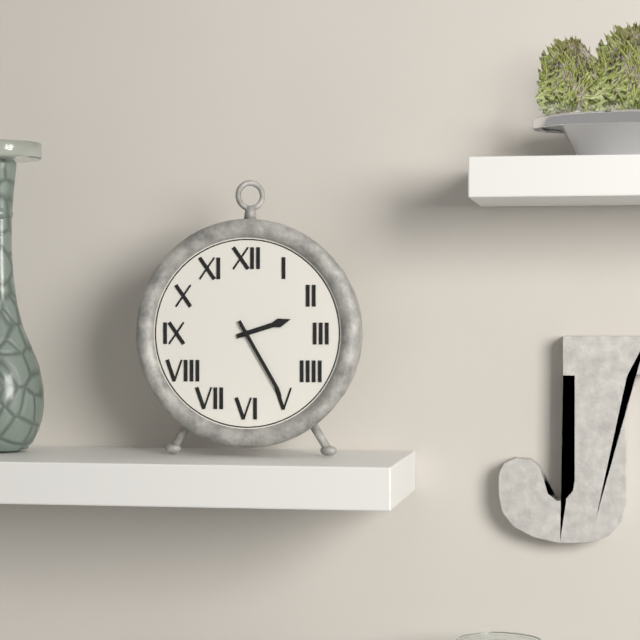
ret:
2,25
